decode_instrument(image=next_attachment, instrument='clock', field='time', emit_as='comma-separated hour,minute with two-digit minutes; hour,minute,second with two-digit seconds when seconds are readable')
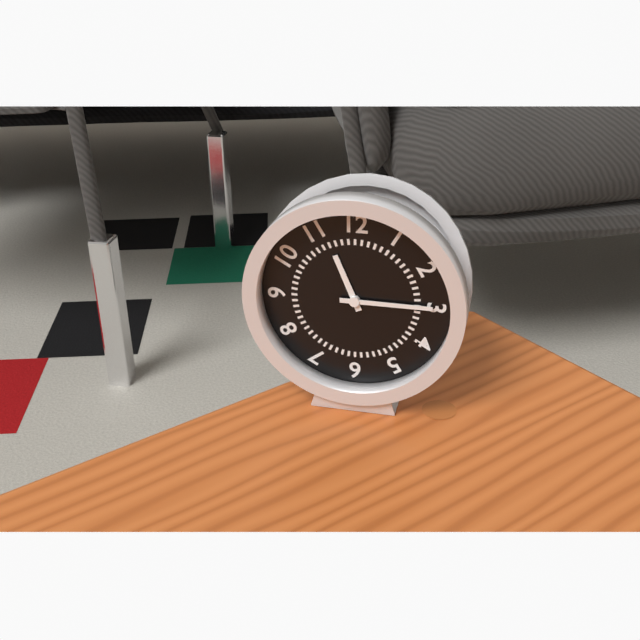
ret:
11,15
